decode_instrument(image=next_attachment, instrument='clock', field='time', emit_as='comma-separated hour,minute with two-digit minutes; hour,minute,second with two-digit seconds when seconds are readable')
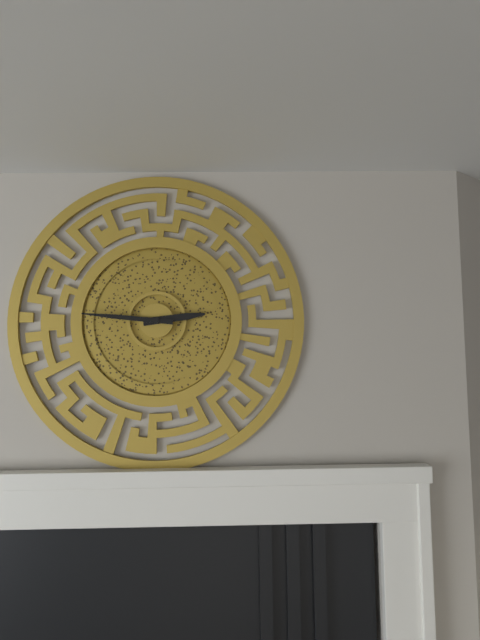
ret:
2,46
